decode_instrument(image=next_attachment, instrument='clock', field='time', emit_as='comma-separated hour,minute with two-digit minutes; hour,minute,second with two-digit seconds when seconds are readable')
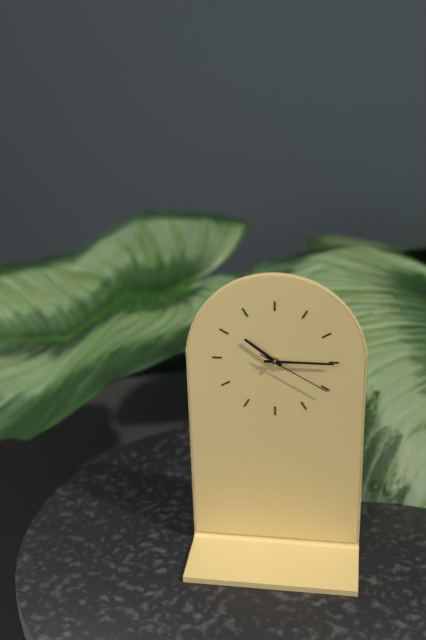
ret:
10,15,20
